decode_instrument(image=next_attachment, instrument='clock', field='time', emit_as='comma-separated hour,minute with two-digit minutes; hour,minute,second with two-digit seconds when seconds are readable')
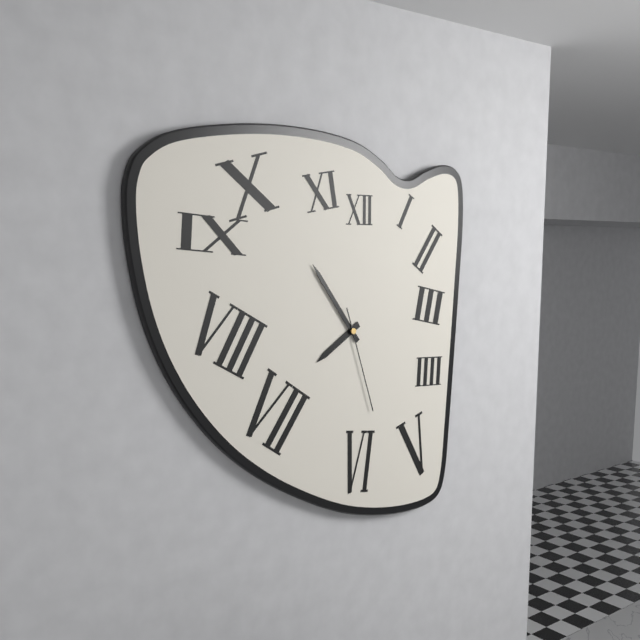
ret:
7,54,27
